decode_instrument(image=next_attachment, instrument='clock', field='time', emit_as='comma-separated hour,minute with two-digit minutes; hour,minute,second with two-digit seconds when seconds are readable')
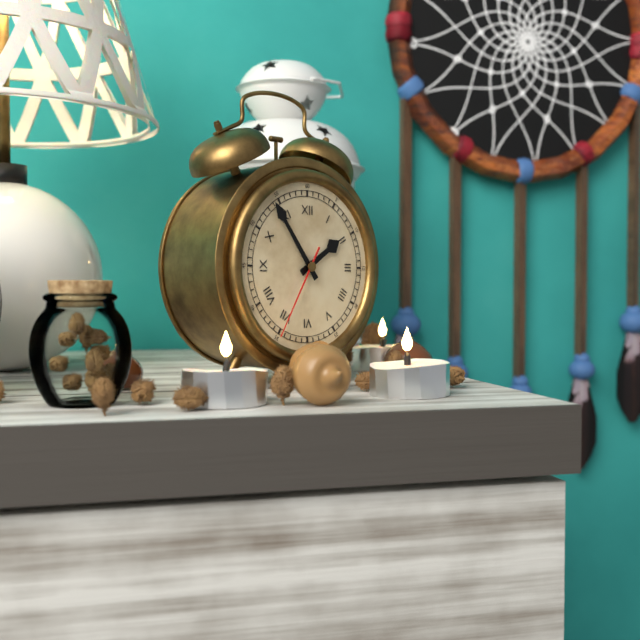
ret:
1,54,35
